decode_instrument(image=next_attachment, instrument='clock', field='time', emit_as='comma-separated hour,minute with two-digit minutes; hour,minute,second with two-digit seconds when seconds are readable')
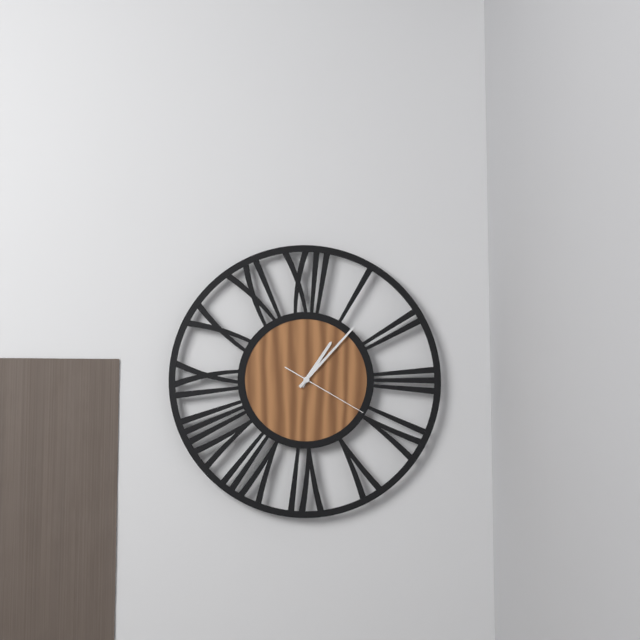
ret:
1,07,20
